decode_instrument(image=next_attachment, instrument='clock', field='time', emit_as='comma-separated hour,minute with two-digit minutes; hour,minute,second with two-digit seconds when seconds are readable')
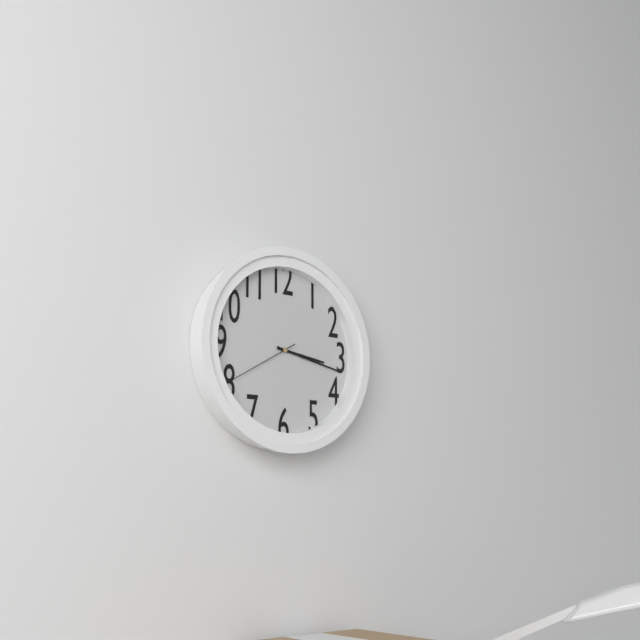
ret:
3,17,40
